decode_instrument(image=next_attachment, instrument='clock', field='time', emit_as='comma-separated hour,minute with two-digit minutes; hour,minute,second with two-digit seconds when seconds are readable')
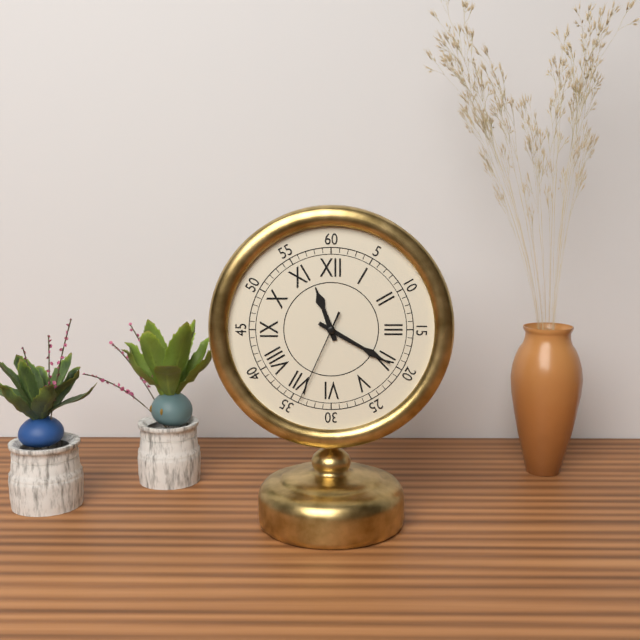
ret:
11,20,34
